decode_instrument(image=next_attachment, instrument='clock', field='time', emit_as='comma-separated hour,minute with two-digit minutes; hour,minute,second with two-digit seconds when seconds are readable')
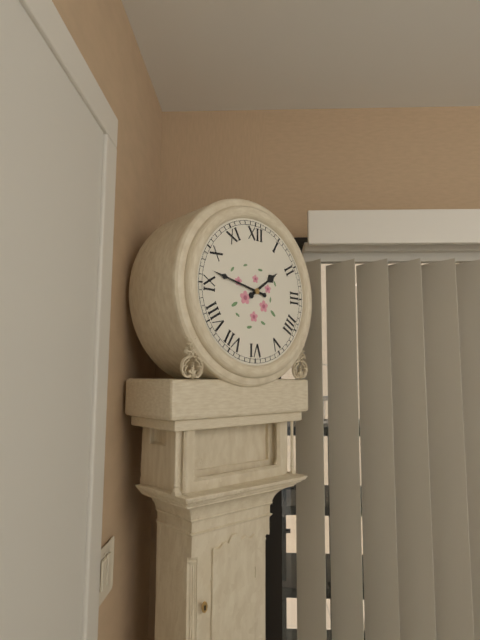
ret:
1,47
